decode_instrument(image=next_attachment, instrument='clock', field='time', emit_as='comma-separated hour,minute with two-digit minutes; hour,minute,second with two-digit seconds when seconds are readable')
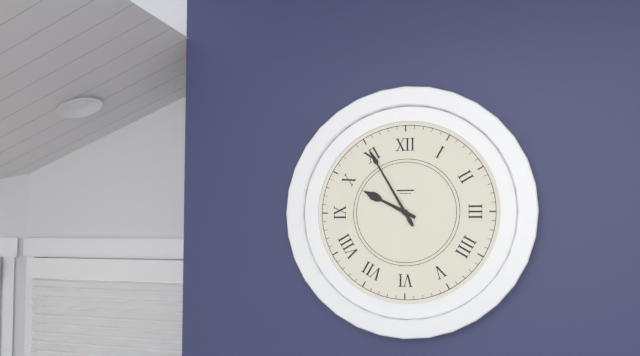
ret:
9,55
